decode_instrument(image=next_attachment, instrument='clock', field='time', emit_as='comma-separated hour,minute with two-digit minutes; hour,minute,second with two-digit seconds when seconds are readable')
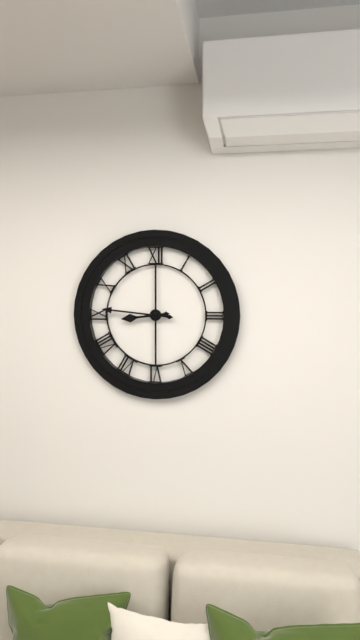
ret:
8,46
